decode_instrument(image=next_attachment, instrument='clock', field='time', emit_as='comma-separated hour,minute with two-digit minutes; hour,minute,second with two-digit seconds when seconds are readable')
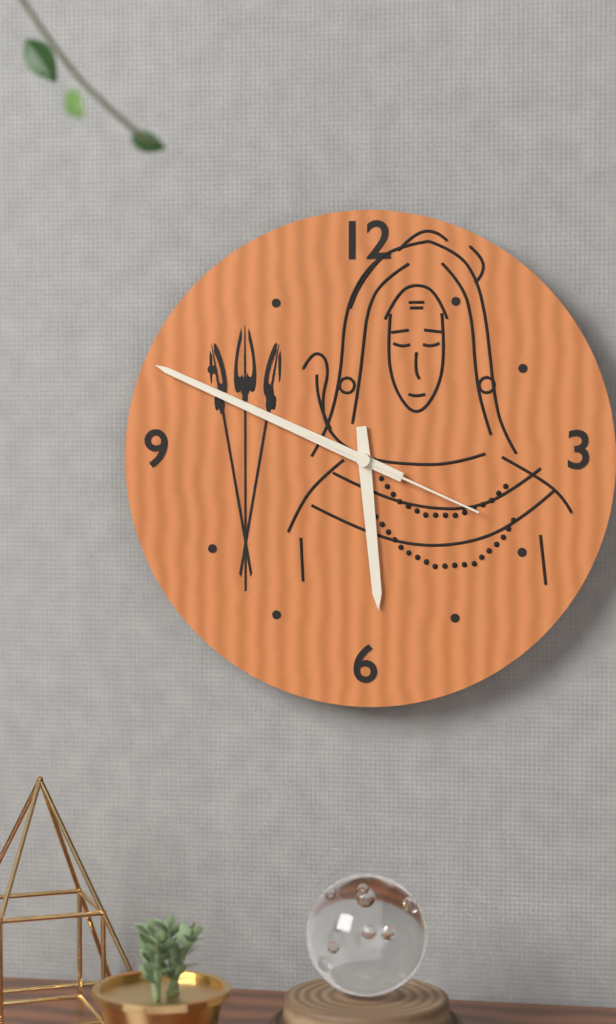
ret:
5,49,19
